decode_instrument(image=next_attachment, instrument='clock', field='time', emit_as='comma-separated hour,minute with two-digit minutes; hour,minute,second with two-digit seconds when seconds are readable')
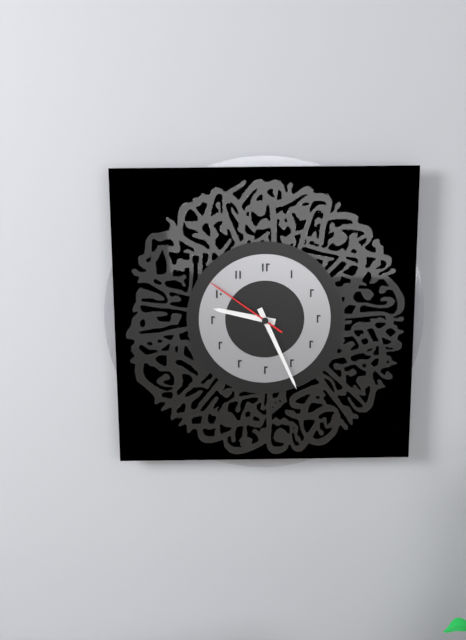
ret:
9,26,51
